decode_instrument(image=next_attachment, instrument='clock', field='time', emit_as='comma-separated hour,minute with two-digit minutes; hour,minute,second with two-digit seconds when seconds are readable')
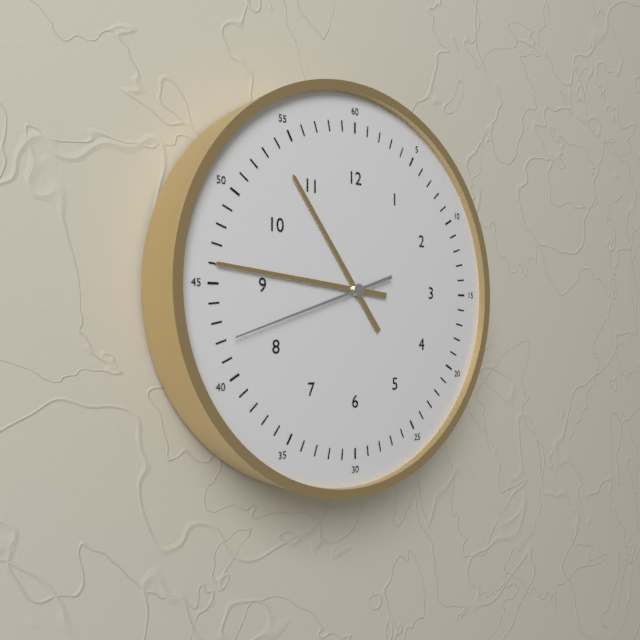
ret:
10,46,42
